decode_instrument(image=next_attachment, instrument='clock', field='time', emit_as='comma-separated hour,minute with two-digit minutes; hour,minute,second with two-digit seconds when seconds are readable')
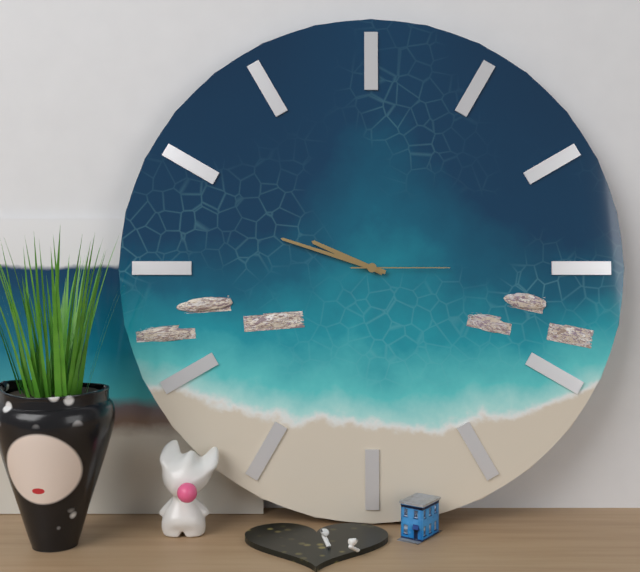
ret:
9,48,15
